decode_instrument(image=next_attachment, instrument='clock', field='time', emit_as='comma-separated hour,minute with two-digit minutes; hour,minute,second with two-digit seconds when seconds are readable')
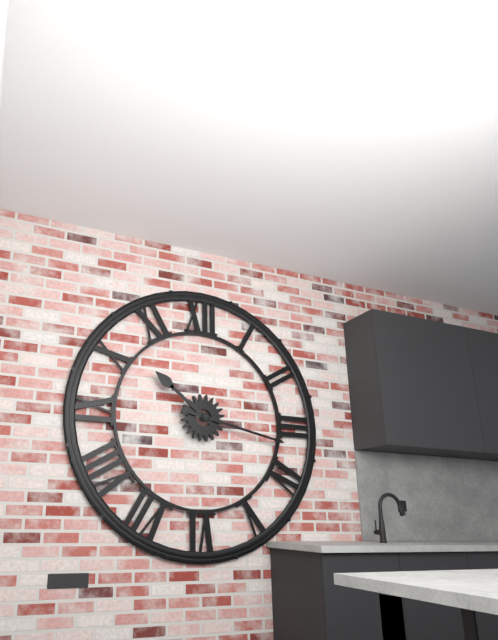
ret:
10,17
